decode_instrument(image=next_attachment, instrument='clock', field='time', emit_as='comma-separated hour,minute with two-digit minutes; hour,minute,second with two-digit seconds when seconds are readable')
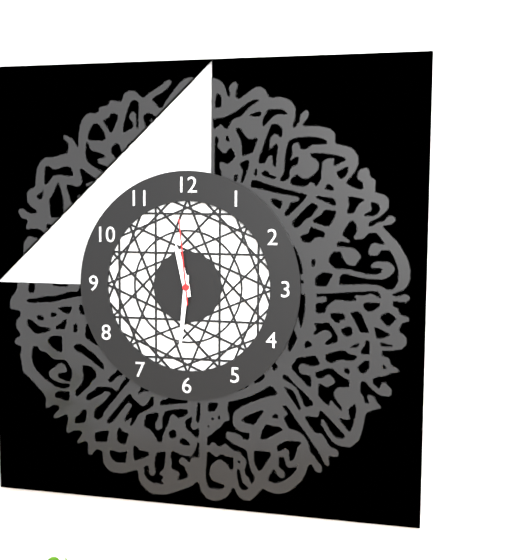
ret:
11,31,59
